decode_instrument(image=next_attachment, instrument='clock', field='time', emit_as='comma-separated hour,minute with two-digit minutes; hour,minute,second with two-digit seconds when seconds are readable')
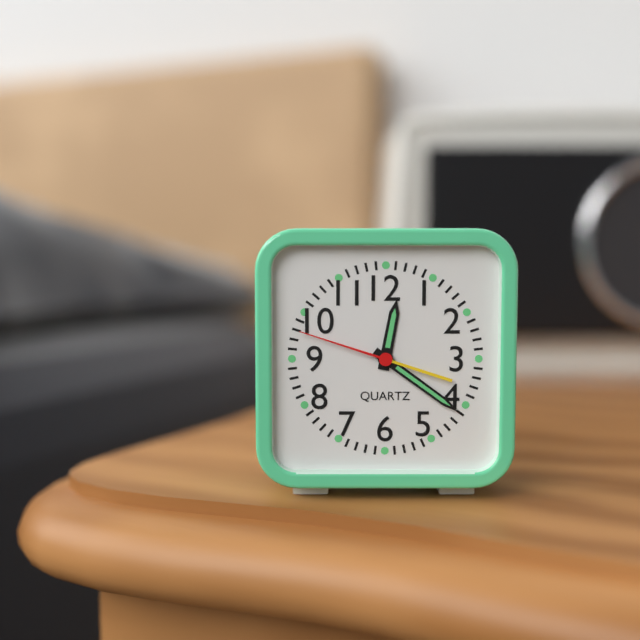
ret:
12,21,48
